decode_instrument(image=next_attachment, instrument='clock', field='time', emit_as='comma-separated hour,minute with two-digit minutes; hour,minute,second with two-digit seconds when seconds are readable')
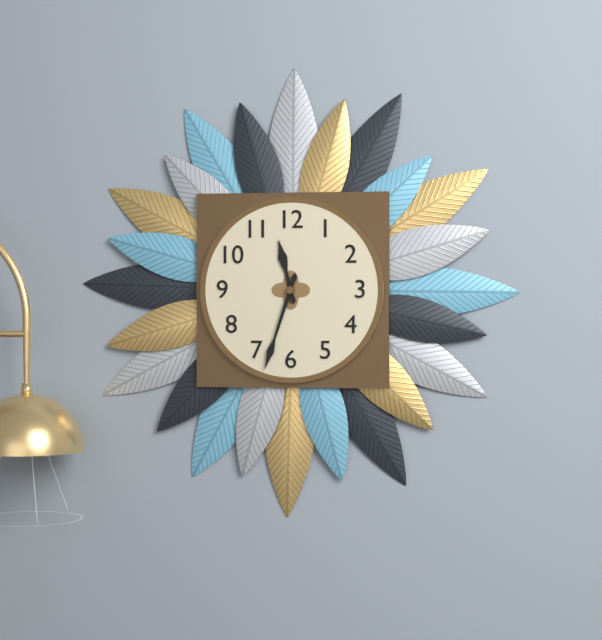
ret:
11,33
